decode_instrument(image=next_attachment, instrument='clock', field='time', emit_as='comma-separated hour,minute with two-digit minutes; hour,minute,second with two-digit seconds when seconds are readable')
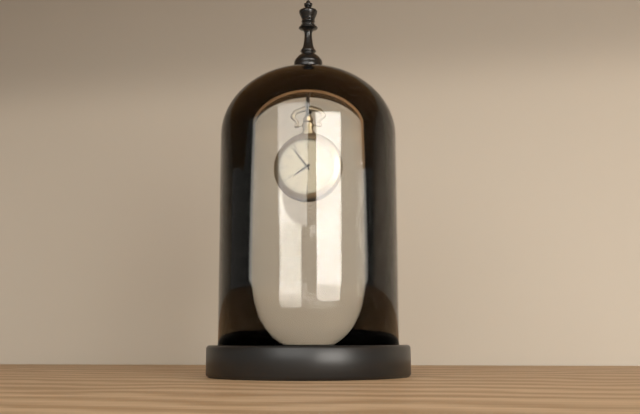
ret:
7,54
